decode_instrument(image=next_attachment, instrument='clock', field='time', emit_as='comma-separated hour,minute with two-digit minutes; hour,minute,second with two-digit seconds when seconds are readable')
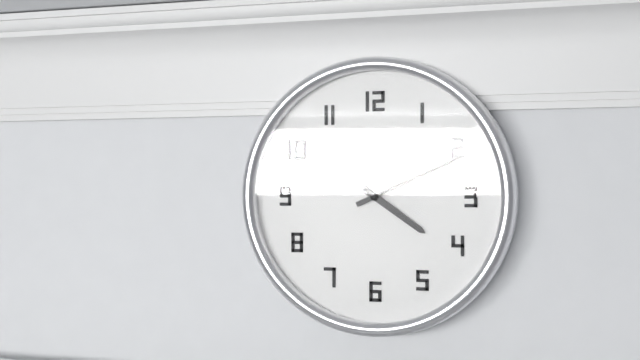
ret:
4,11
